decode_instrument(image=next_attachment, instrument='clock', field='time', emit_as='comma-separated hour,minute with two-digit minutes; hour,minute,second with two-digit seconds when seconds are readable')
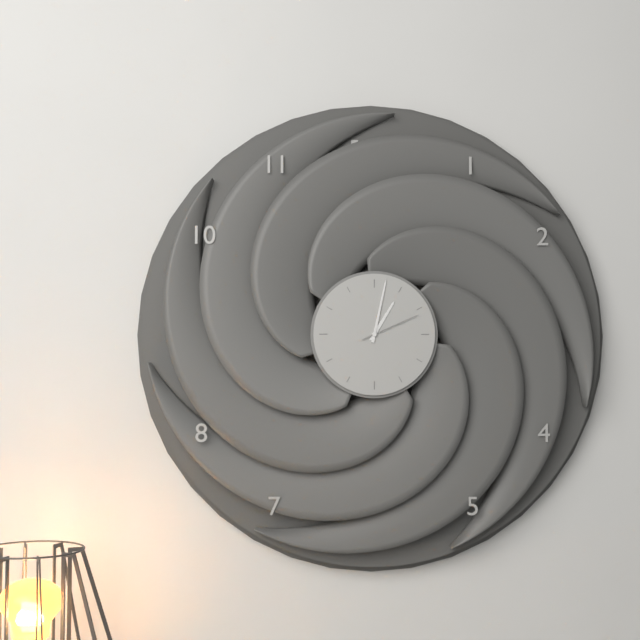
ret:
1,02,11
